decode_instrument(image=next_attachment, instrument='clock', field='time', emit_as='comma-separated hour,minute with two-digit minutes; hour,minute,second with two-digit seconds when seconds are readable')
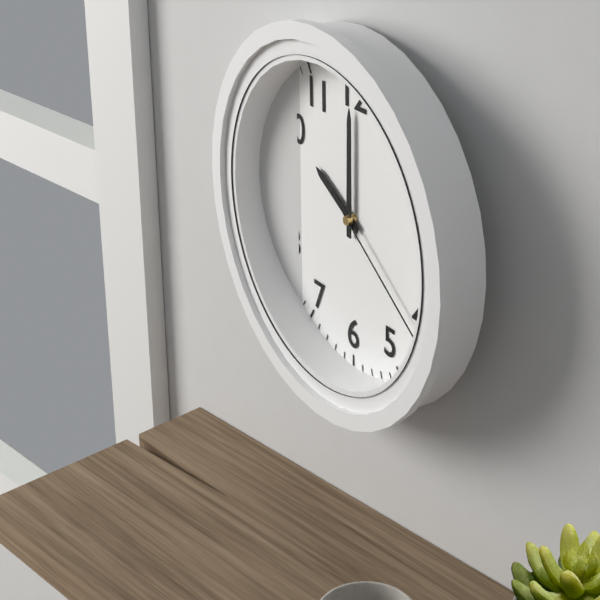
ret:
10,00,21
